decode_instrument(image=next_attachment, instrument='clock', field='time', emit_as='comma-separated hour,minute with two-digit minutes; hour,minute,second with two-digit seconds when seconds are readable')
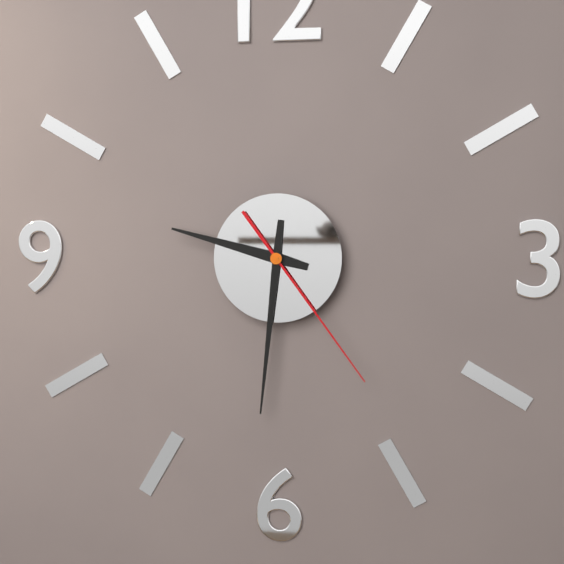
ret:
9,31,24
